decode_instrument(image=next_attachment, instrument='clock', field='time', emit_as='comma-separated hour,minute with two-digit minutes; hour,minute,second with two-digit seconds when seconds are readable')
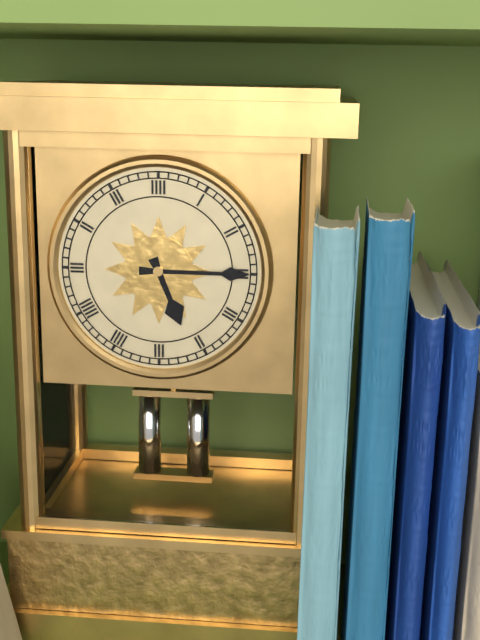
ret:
5,15
